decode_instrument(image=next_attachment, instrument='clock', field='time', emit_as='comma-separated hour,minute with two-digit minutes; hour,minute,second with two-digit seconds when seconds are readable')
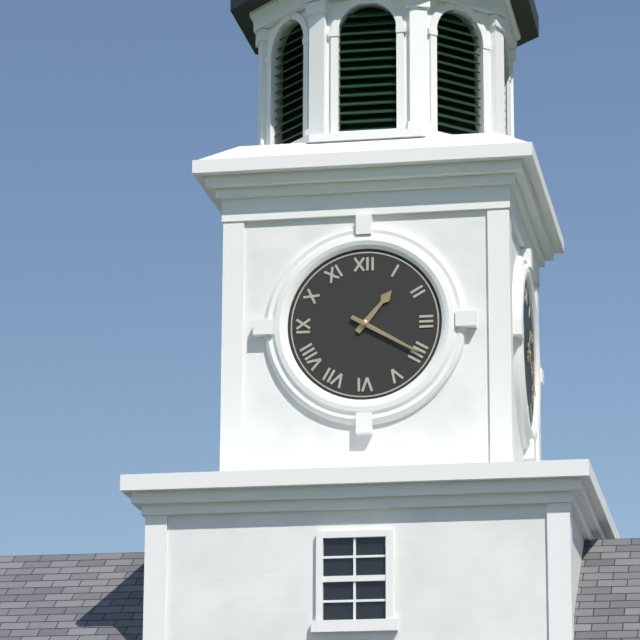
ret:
1,20
